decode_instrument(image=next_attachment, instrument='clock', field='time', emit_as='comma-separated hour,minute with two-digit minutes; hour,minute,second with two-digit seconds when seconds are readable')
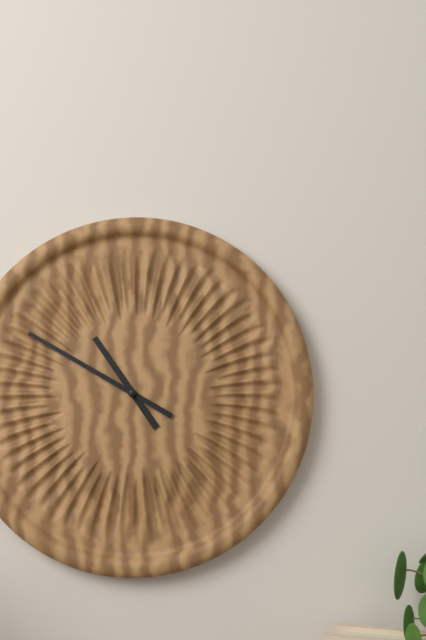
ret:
10,50
